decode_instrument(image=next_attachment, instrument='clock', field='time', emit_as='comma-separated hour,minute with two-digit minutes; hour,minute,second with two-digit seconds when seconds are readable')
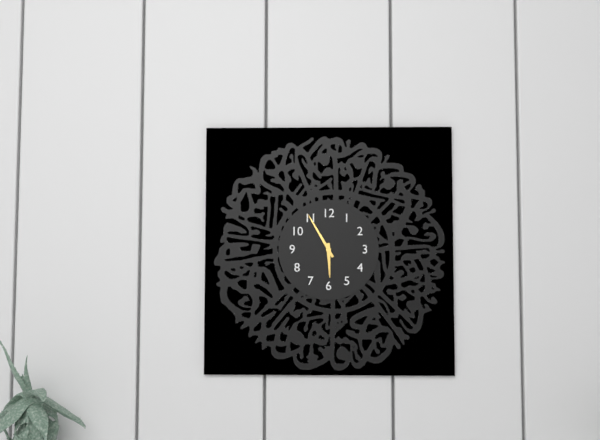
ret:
5,55
